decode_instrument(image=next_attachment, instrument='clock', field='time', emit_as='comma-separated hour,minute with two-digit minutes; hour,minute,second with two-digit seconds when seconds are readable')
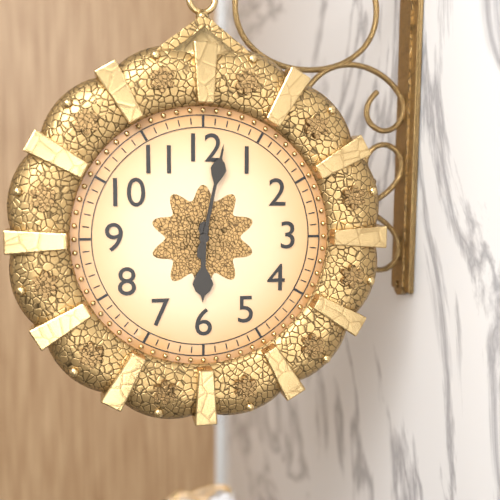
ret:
6,02
